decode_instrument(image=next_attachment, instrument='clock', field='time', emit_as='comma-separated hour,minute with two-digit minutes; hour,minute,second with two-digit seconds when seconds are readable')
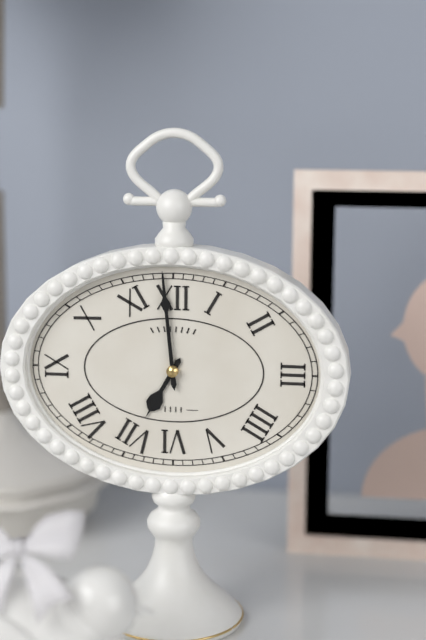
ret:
6,59
